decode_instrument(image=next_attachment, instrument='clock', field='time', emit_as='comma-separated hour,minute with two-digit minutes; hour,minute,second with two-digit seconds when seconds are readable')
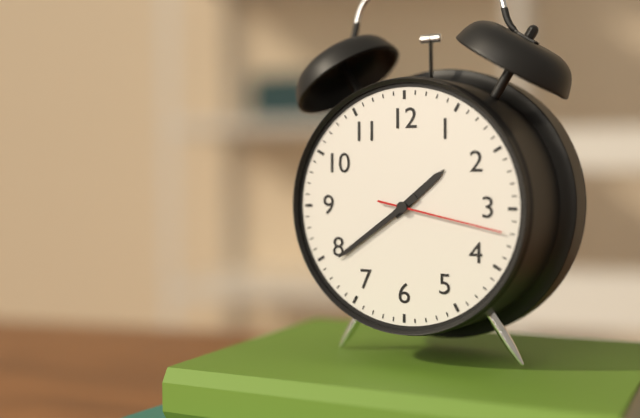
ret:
1,39,17
